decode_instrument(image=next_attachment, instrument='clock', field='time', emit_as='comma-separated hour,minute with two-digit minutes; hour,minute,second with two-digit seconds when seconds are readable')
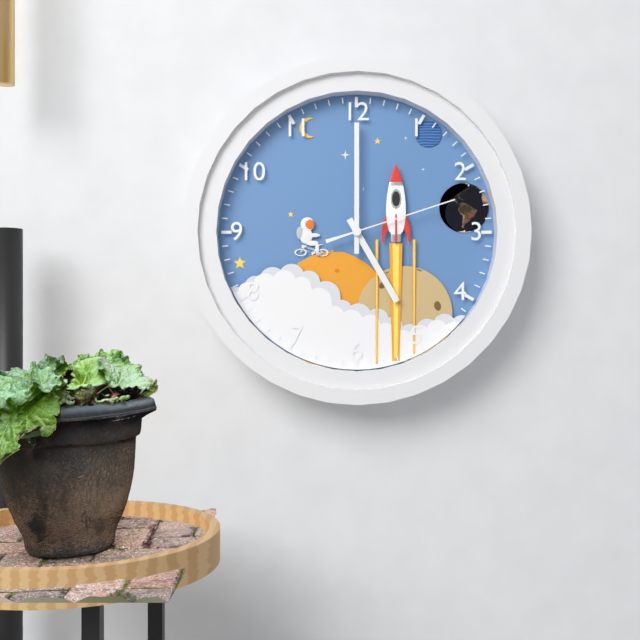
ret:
5,00,12
